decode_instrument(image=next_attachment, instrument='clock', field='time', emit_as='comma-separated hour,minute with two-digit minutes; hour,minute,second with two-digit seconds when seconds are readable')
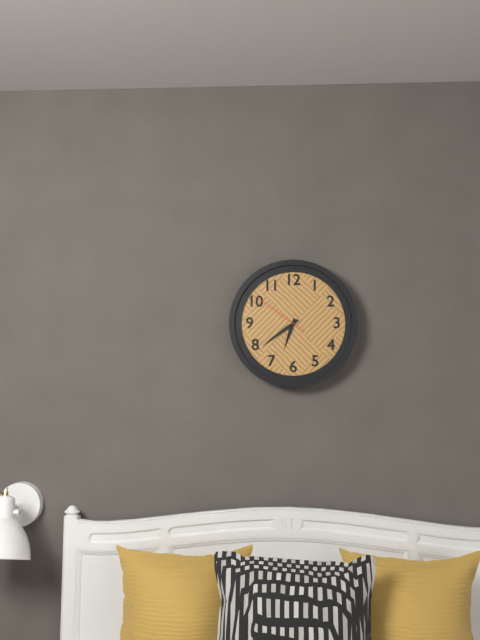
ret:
6,39,51
